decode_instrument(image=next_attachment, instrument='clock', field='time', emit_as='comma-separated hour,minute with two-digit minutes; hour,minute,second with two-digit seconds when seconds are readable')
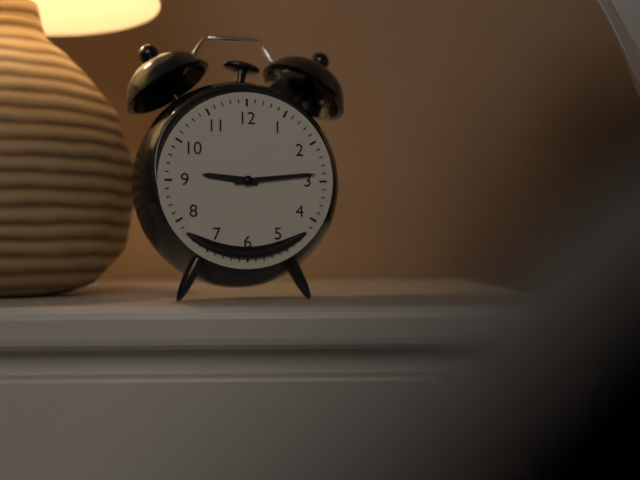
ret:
9,14
